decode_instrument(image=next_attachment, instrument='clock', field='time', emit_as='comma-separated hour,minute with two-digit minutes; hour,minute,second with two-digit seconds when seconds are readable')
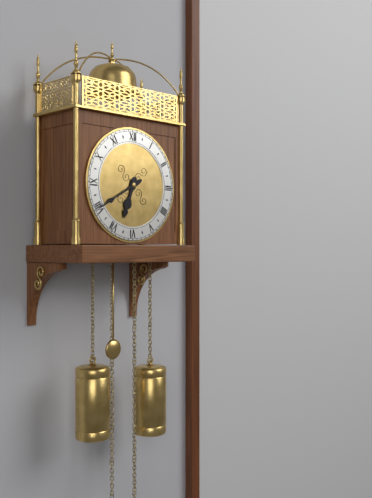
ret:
6,40
